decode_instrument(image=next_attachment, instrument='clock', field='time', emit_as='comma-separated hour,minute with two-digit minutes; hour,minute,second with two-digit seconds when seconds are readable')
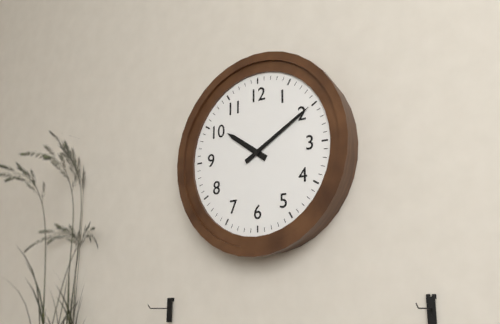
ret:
10,10
